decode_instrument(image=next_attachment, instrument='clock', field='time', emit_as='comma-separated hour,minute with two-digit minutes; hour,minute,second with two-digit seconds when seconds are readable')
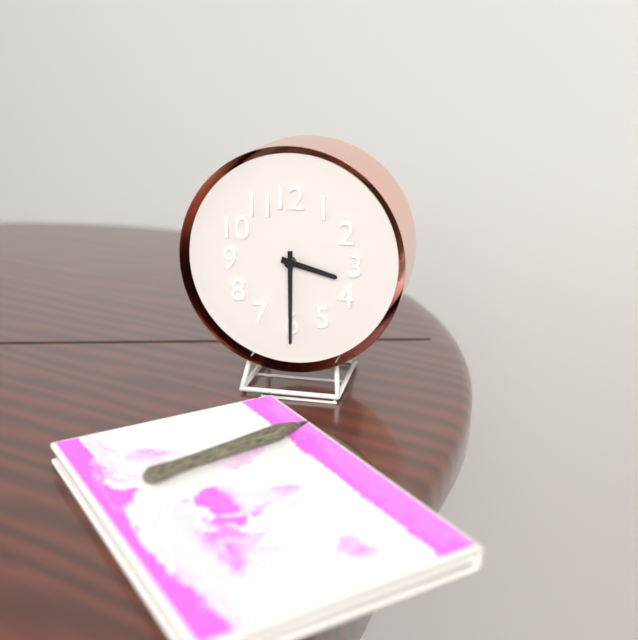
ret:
3,30
